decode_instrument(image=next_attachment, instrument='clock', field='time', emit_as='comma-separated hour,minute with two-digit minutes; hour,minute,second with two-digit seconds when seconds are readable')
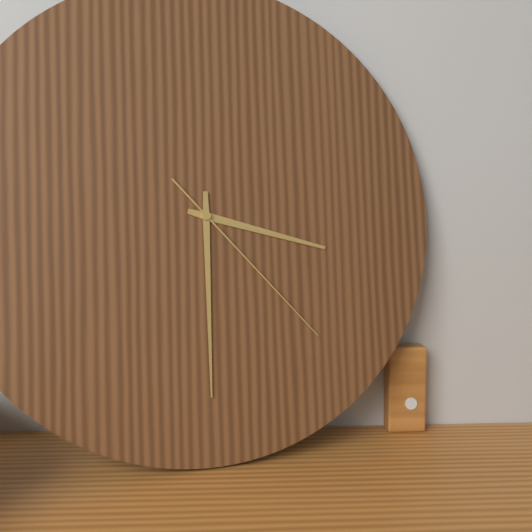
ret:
3,30,23
